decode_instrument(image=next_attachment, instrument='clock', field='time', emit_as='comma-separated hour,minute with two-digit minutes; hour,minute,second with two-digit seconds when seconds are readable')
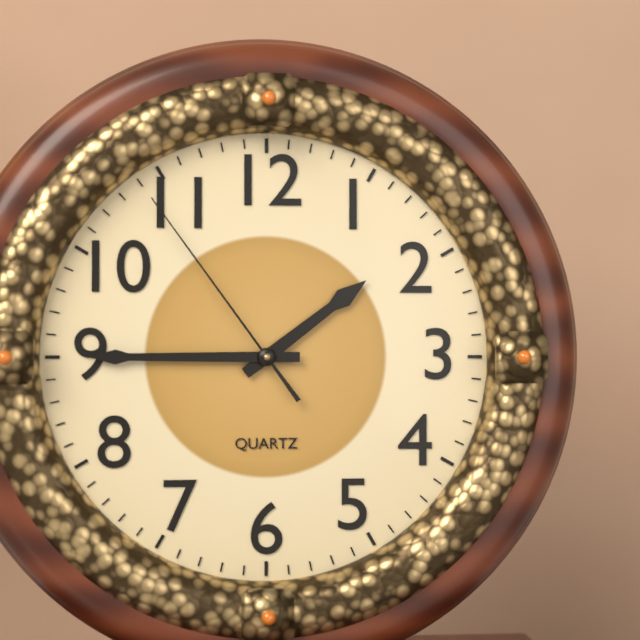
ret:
1,45,54
